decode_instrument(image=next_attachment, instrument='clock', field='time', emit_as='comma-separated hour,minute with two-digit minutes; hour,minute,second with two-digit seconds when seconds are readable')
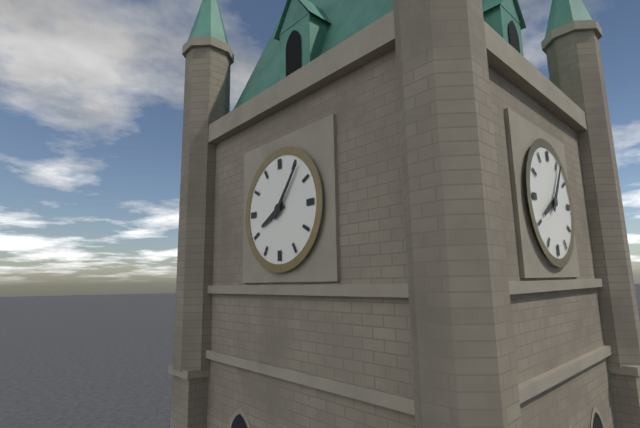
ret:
8,06
